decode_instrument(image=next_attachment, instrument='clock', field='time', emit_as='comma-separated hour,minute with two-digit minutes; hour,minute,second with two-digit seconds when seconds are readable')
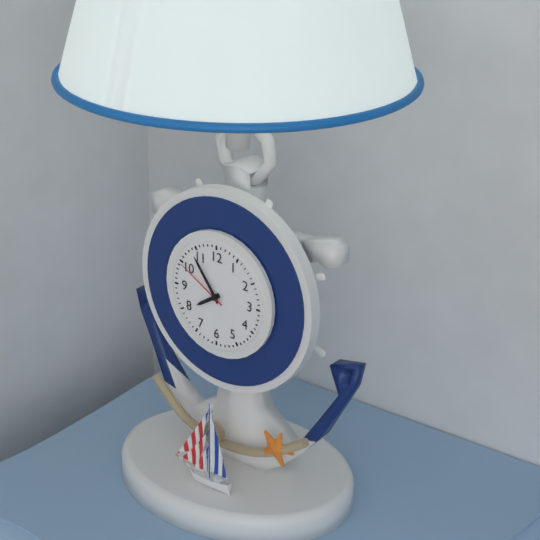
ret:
7,54,50
